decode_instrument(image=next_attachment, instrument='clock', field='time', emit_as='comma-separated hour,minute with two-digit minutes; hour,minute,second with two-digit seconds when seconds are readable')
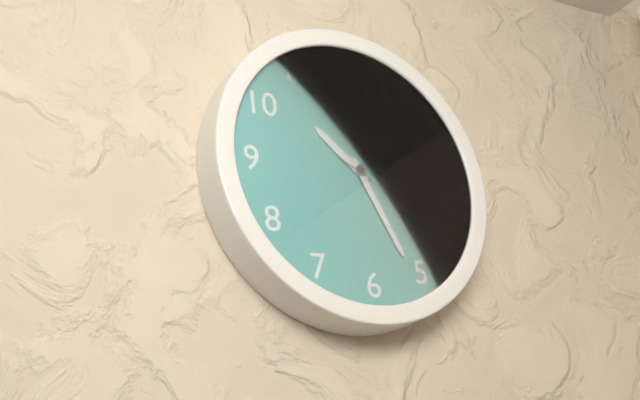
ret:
10,26,20
